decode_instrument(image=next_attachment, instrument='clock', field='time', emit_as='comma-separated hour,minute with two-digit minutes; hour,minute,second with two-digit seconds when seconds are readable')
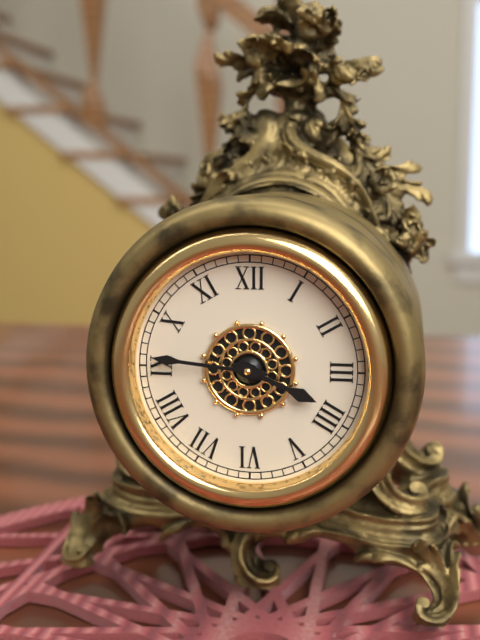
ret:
3,46
